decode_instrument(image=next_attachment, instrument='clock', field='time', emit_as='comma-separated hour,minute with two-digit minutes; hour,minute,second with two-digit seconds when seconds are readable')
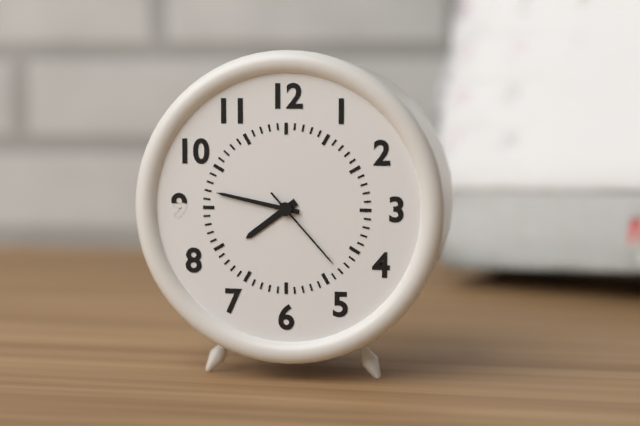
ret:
7,47,23
